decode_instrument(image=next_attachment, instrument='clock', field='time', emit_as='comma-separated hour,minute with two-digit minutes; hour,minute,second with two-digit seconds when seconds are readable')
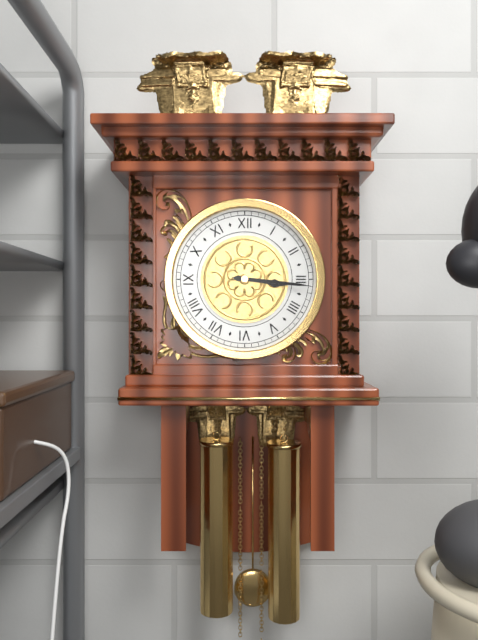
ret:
3,16
